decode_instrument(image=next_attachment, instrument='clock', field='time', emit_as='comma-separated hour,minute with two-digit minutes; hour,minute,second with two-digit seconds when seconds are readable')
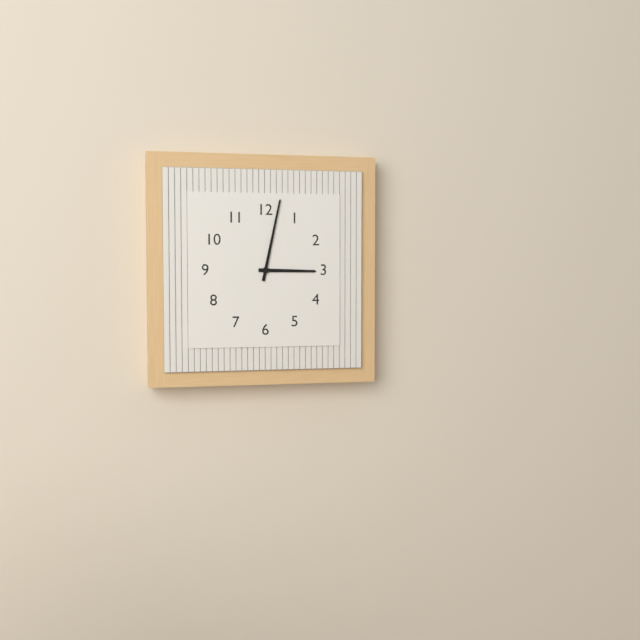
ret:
3,02
